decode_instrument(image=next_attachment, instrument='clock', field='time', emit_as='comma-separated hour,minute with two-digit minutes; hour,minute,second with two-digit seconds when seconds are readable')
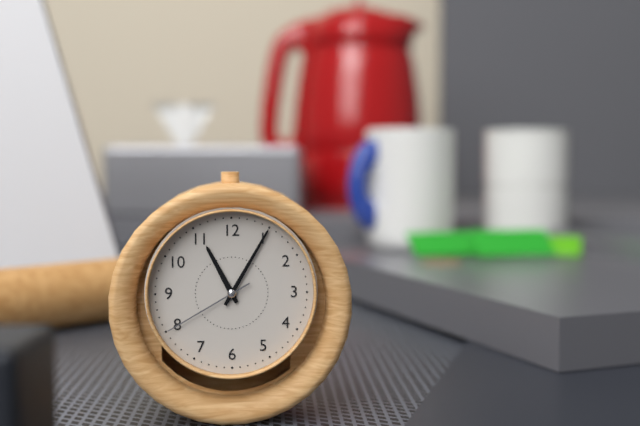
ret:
11,05,40
